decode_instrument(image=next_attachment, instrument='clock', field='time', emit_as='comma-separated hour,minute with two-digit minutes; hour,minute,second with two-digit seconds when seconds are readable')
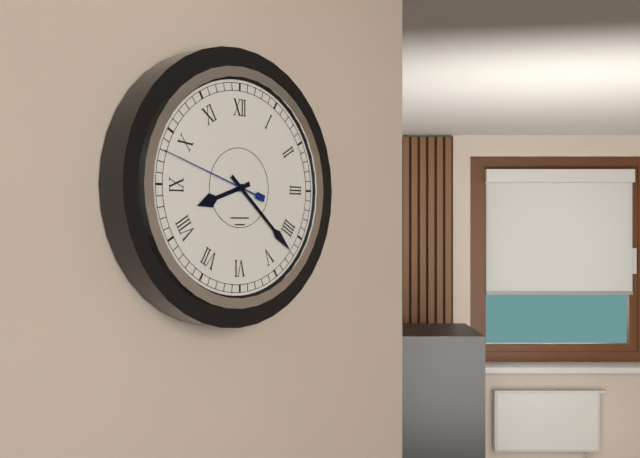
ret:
8,22,48
